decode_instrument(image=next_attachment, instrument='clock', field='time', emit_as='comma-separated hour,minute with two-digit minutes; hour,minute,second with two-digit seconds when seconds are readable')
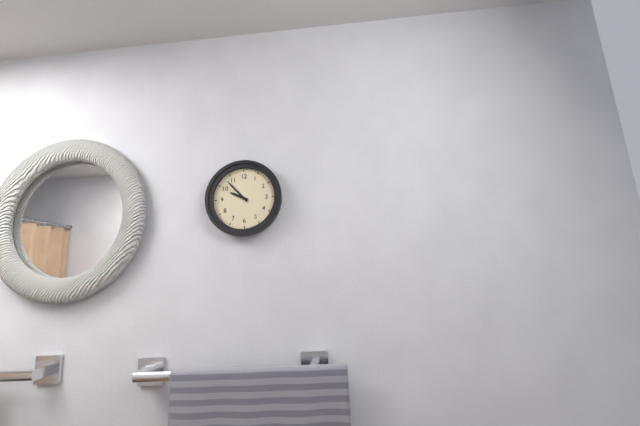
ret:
9,53
